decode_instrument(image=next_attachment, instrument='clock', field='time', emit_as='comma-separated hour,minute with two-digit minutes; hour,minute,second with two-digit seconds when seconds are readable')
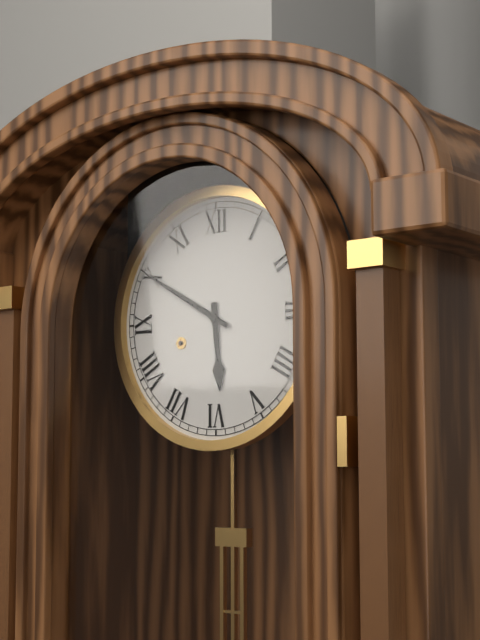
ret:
5,50
